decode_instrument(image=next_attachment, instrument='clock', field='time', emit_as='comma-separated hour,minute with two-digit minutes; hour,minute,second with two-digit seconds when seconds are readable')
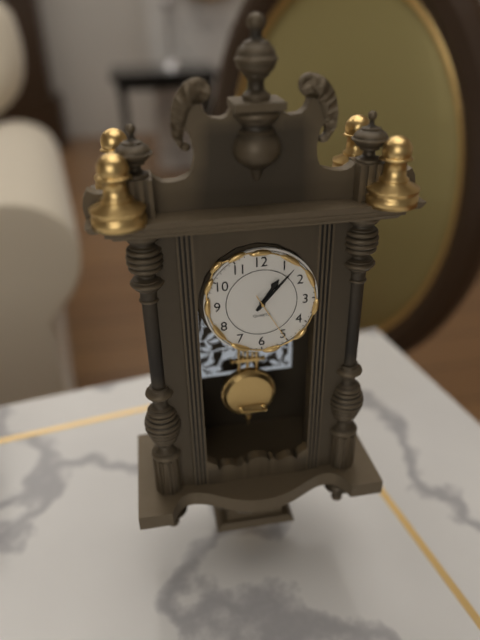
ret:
1,07,25
